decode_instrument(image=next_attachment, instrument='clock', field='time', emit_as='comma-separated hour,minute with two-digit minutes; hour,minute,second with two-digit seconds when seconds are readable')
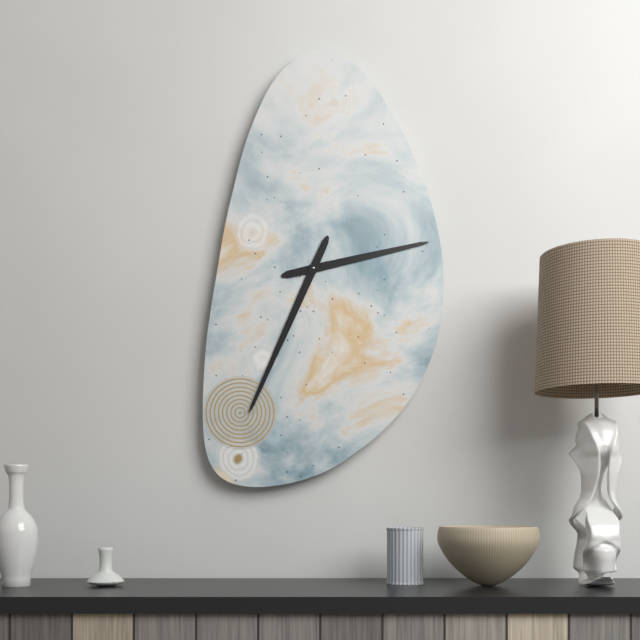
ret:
2,34
